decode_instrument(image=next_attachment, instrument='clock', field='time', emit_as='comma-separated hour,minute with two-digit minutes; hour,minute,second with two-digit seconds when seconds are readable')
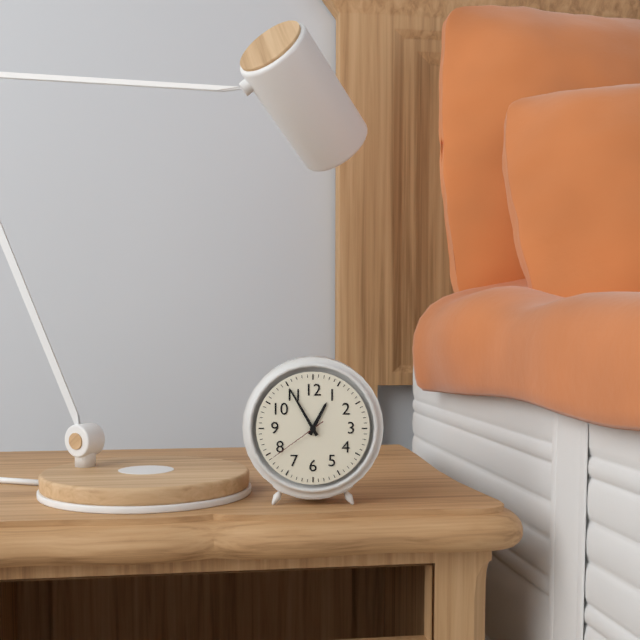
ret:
12,55,39
